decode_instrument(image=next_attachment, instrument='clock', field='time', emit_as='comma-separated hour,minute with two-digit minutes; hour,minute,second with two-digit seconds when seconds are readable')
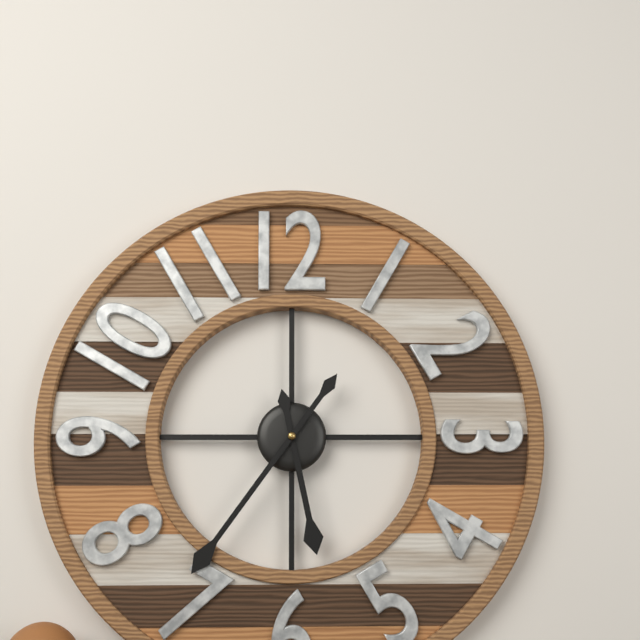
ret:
5,36
